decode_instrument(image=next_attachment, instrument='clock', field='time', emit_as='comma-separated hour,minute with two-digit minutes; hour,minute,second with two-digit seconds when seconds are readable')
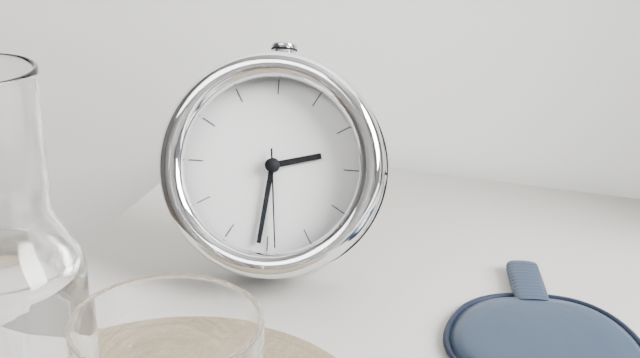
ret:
2,31,29
